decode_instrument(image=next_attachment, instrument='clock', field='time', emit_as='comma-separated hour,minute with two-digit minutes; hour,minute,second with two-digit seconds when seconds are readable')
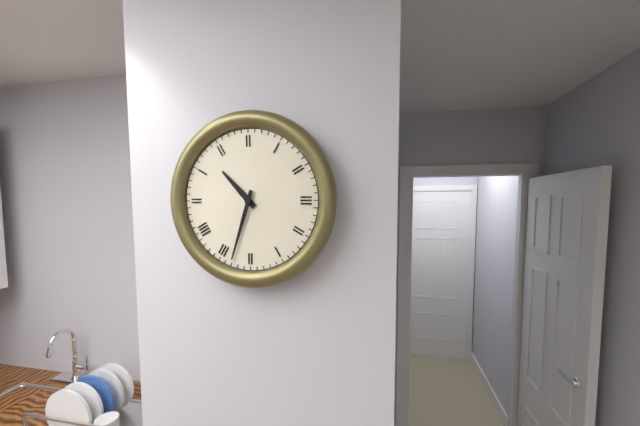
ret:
10,33
